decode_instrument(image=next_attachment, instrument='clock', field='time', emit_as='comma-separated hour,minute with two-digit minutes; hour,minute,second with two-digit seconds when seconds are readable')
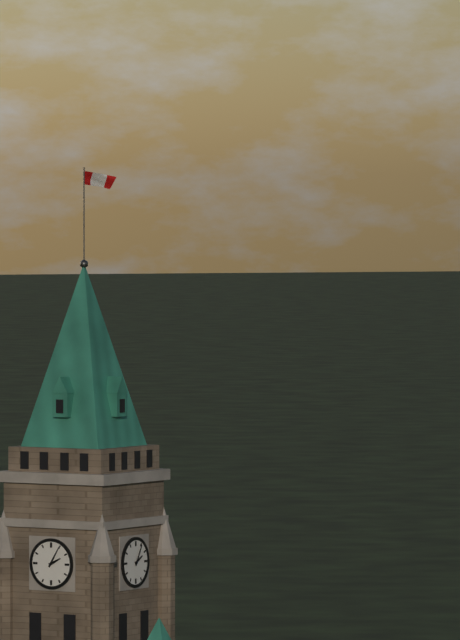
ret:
2,05
